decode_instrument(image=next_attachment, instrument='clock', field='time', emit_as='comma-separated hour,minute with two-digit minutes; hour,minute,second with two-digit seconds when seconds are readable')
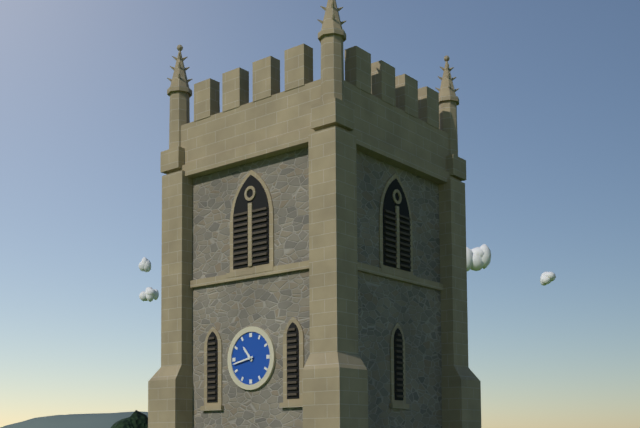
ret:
10,43
